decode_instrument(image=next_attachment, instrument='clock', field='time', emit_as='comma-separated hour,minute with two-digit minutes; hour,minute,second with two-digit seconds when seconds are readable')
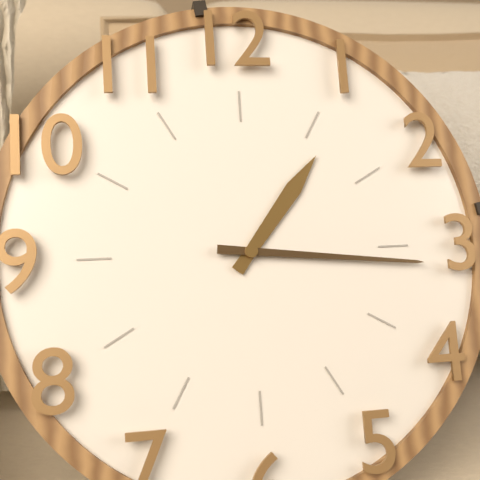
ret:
1,16
